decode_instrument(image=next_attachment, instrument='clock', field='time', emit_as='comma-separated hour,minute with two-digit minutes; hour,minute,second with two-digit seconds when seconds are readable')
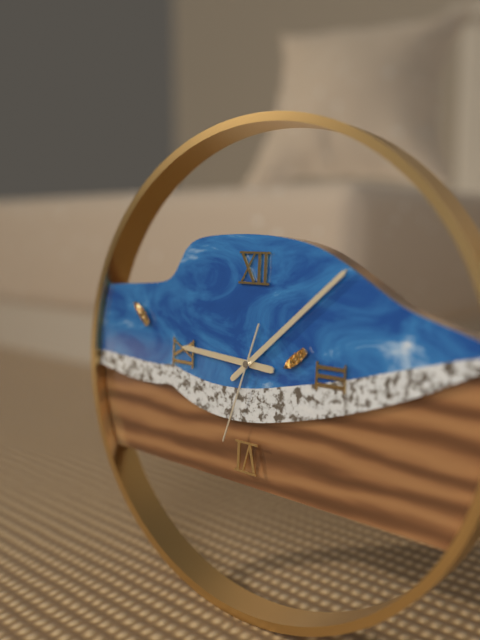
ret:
9,08,33
